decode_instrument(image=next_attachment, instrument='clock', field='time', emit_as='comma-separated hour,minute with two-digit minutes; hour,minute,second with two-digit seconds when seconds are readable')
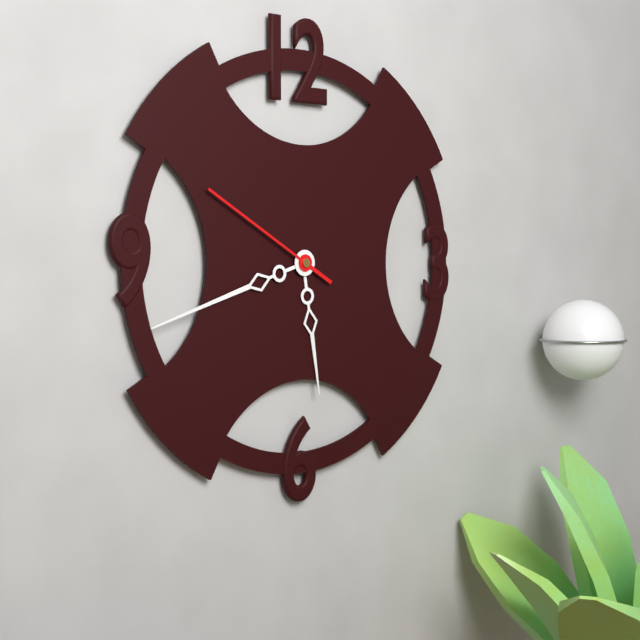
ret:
5,42,50
